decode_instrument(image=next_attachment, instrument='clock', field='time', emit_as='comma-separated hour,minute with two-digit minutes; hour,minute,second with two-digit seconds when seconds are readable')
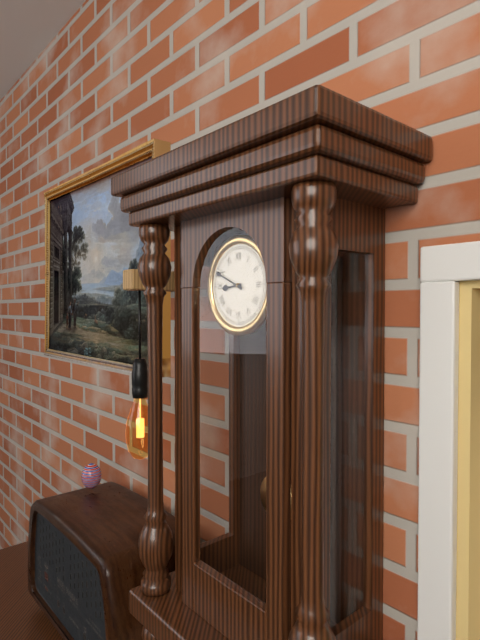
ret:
8,49
